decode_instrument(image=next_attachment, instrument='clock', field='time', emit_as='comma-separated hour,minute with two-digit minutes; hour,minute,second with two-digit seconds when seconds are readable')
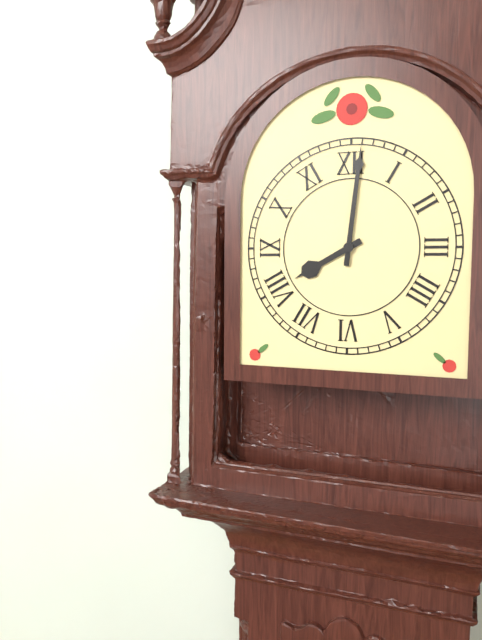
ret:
8,01
